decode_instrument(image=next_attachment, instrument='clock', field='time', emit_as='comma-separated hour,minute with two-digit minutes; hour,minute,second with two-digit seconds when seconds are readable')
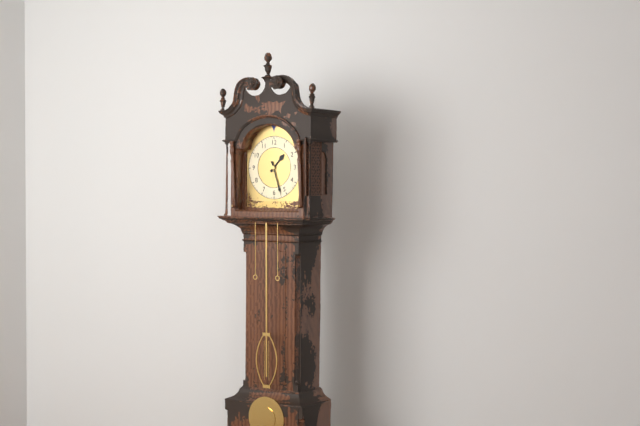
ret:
1,27
